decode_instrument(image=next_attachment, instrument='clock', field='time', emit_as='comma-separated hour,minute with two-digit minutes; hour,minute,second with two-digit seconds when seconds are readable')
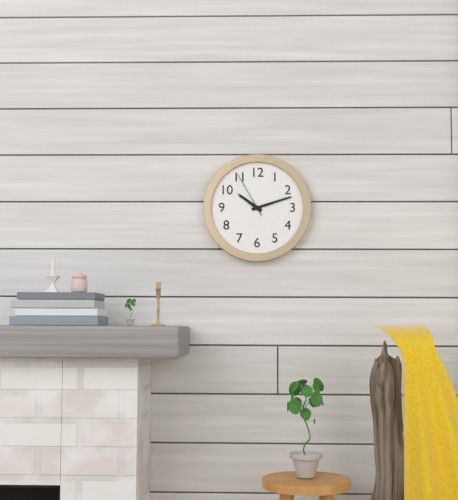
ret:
10,12
